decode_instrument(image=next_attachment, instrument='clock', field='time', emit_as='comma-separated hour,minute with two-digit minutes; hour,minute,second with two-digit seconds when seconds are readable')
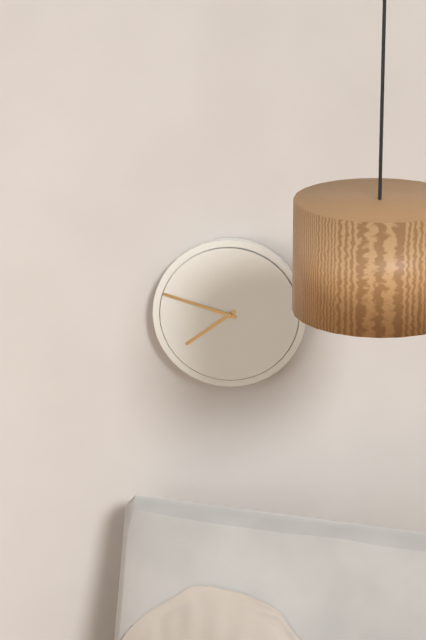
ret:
7,48
